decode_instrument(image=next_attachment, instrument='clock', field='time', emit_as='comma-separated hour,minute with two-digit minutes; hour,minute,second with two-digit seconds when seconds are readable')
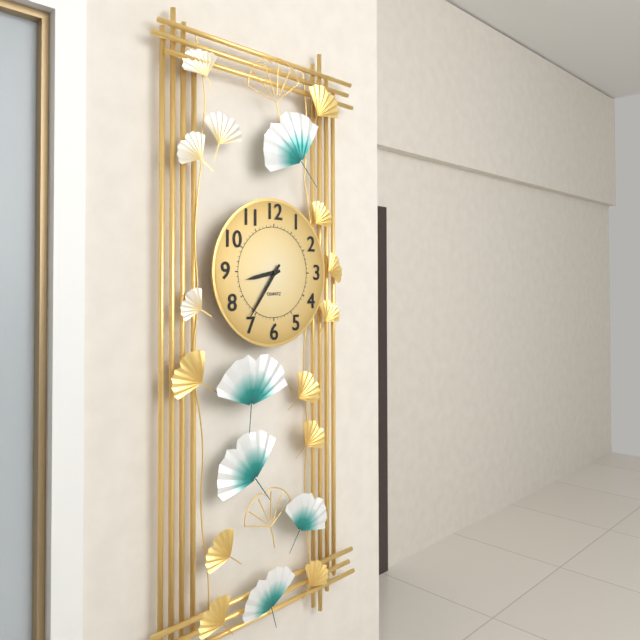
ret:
8,36
